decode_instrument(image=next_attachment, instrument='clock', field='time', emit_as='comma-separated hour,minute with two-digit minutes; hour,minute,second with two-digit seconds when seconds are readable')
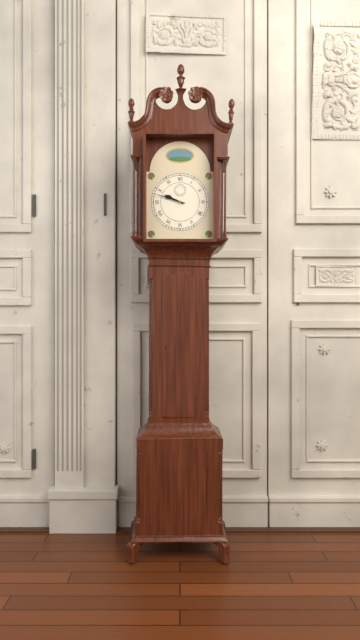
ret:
9,48
